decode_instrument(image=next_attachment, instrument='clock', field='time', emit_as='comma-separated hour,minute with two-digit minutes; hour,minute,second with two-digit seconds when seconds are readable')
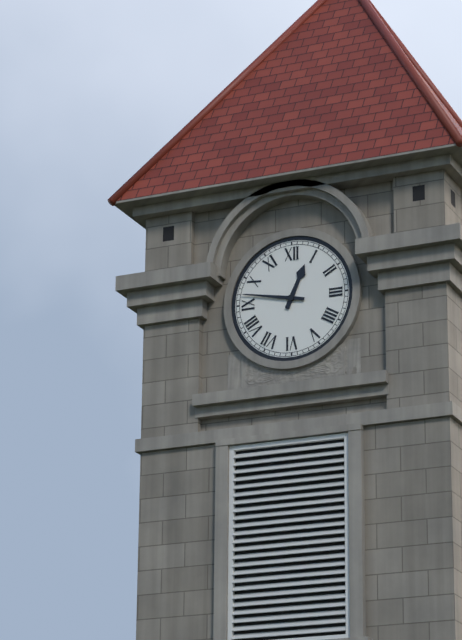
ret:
12,47
